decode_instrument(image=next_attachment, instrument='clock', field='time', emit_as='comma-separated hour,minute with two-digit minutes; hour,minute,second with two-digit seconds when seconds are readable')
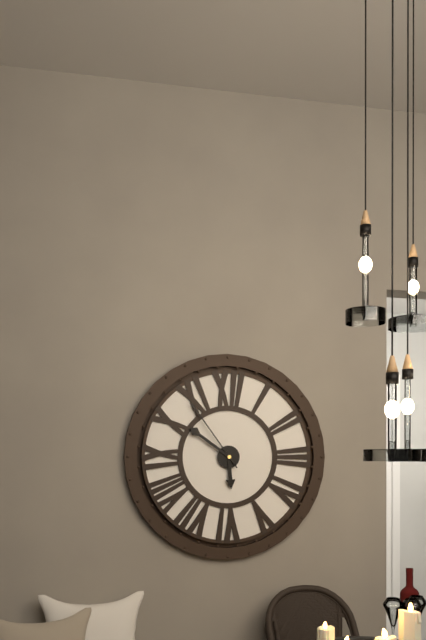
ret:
5,51,54
